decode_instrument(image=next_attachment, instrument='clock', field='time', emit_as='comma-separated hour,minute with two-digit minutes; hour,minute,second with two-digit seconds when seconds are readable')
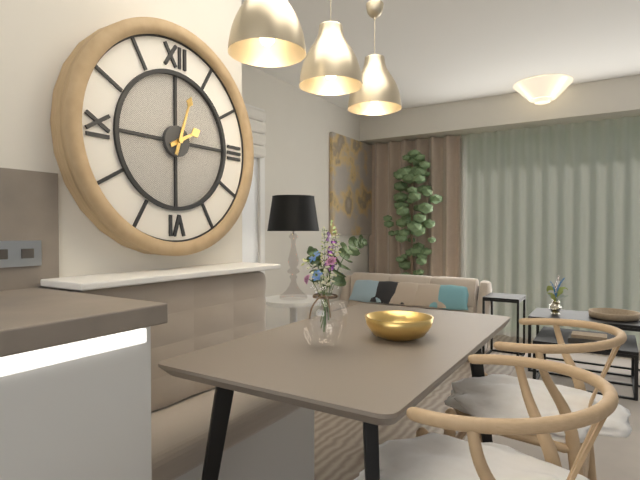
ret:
2,03
